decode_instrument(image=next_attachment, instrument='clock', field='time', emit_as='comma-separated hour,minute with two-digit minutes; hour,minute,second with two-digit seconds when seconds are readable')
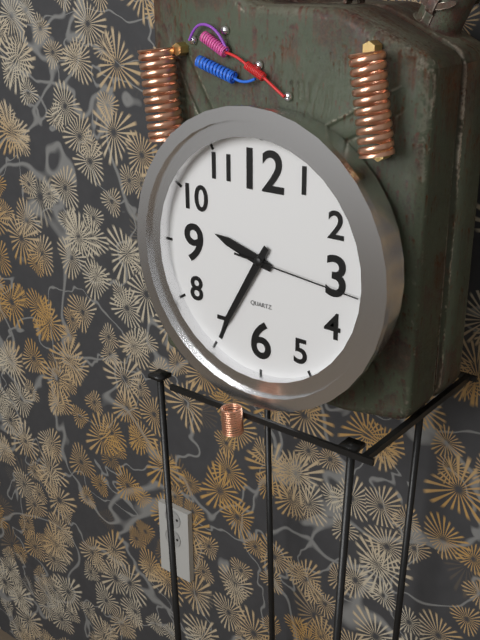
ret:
9,35,16
